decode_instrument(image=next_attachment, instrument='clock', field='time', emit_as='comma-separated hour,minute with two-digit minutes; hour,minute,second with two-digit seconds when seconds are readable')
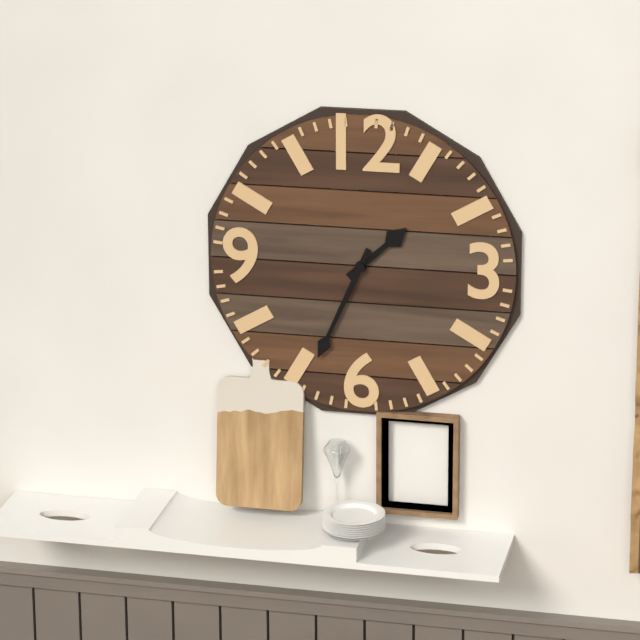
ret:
1,34
